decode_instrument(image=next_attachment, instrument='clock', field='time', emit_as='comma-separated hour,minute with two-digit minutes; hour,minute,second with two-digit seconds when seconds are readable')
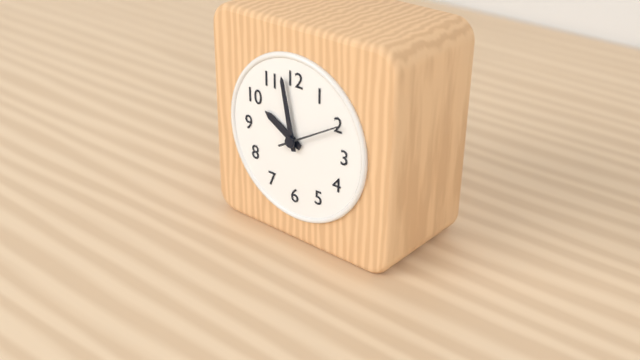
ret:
9,58,10
